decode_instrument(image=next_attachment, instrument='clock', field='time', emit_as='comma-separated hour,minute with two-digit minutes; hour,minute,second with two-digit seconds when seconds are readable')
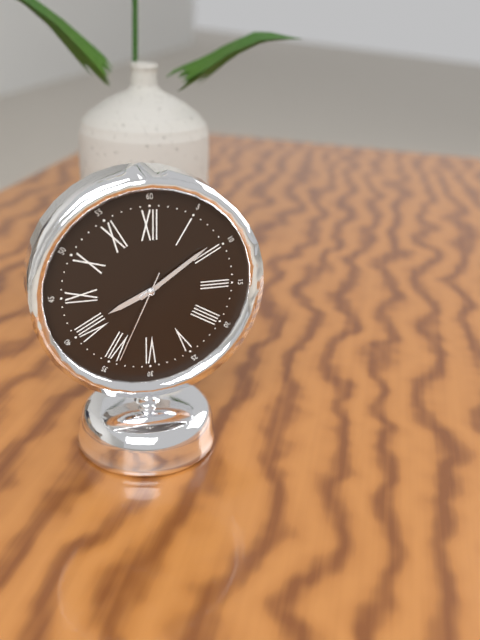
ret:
8,09,34
